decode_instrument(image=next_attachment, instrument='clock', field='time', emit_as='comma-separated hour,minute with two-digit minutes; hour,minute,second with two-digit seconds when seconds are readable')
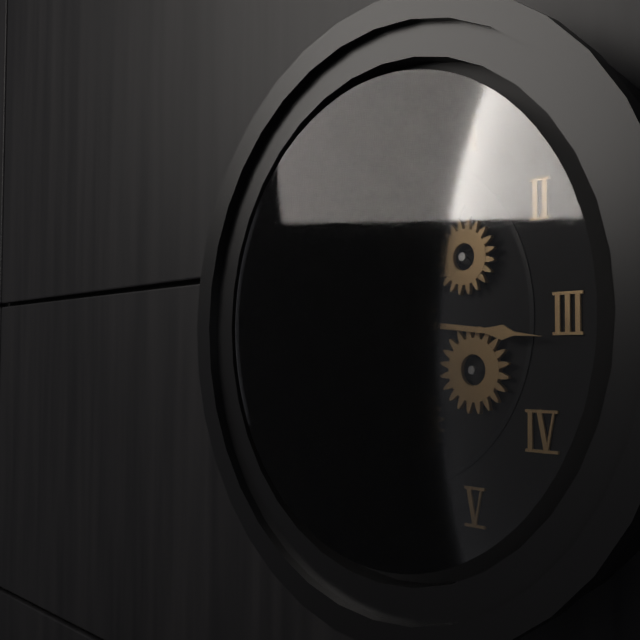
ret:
9,16
